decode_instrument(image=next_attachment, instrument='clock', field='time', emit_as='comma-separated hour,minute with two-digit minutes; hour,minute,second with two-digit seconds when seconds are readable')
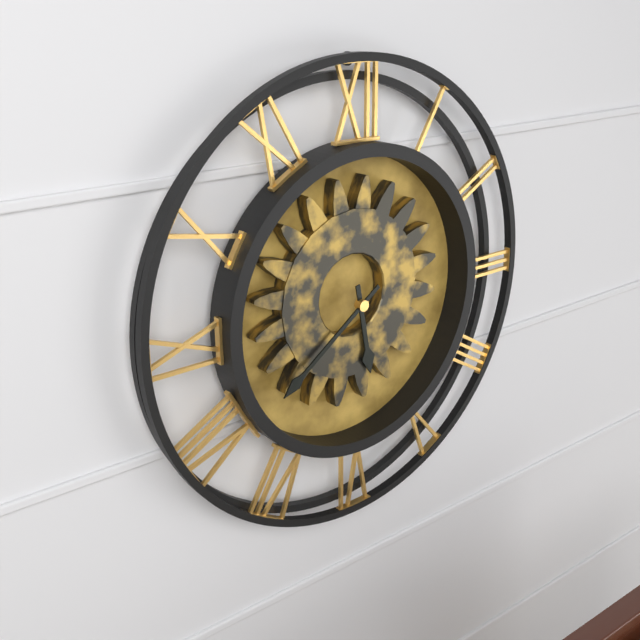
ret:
5,39
